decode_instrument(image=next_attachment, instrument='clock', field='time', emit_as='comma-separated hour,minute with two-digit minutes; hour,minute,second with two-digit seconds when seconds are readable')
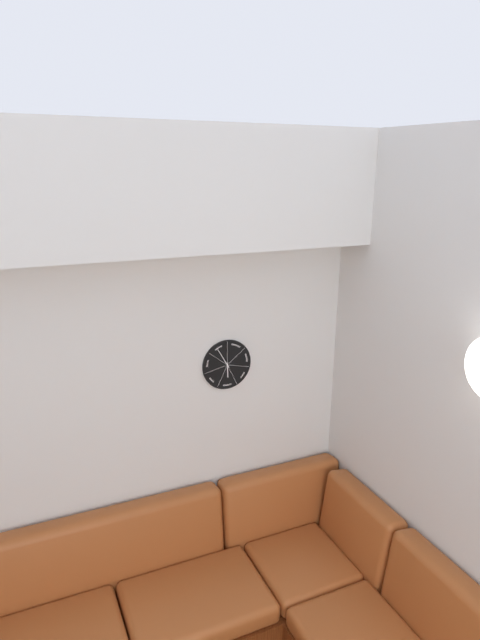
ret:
5,55
